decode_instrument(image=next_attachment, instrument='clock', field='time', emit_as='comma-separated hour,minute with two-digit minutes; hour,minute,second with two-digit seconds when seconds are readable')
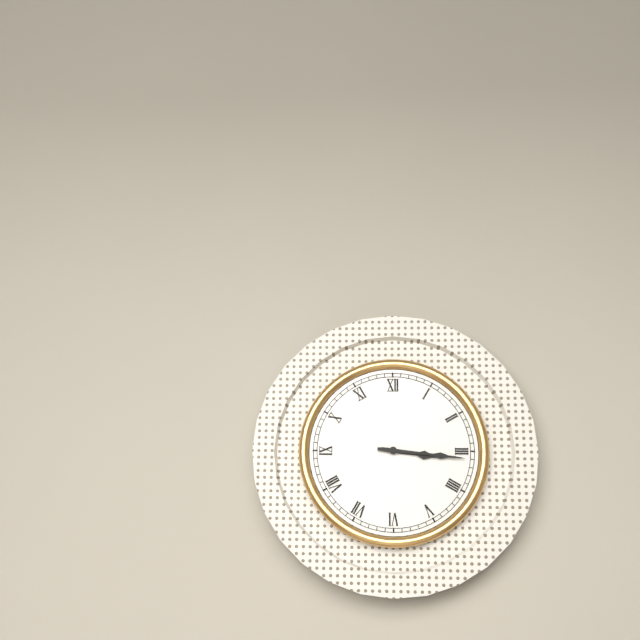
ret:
3,16
